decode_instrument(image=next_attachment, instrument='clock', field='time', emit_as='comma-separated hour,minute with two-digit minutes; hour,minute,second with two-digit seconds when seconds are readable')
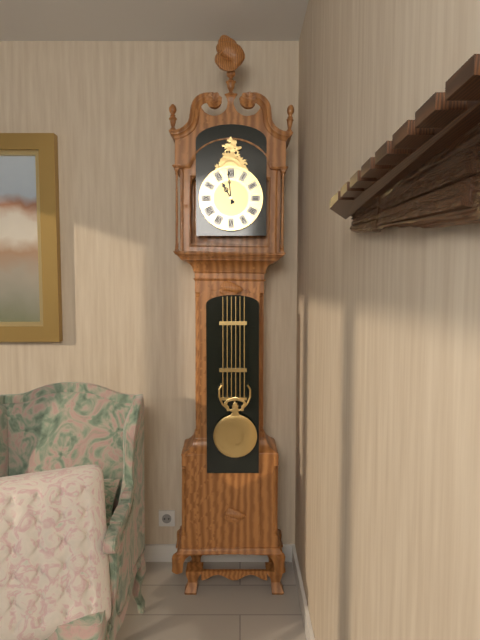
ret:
10,59
